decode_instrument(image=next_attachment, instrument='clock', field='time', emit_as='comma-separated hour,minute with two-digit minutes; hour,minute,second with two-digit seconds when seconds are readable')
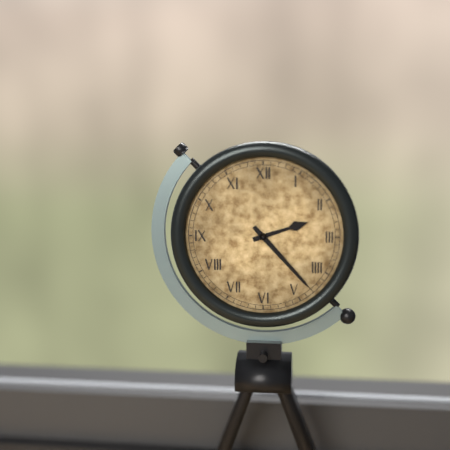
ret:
2,23
